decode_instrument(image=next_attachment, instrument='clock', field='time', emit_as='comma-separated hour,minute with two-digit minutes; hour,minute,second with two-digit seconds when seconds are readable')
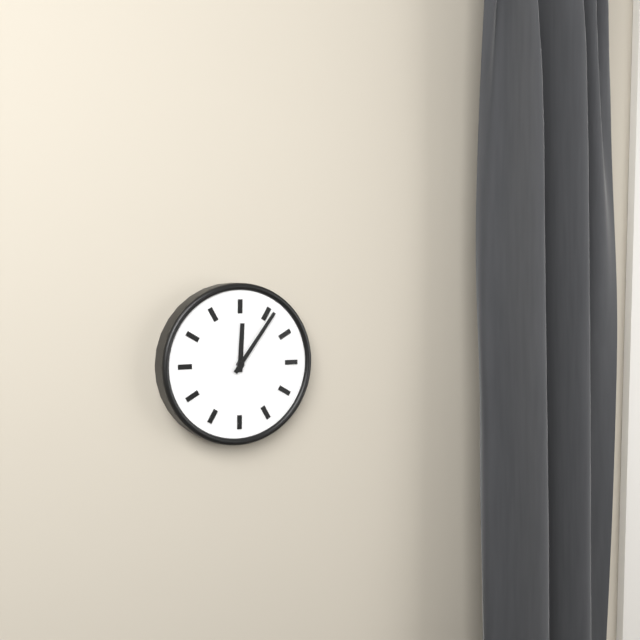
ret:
12,06
